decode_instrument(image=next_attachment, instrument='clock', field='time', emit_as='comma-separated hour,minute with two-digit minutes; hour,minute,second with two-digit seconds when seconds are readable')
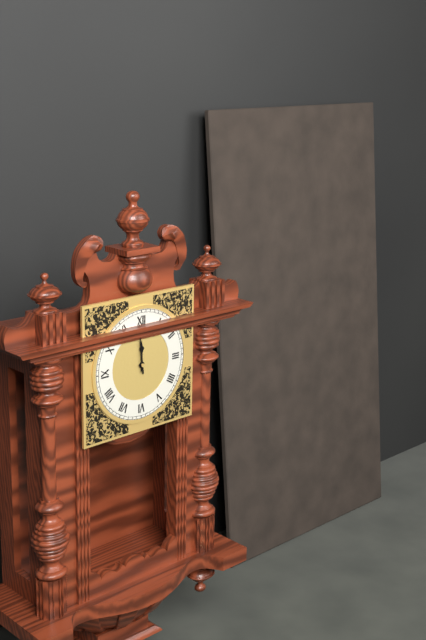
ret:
11,59
